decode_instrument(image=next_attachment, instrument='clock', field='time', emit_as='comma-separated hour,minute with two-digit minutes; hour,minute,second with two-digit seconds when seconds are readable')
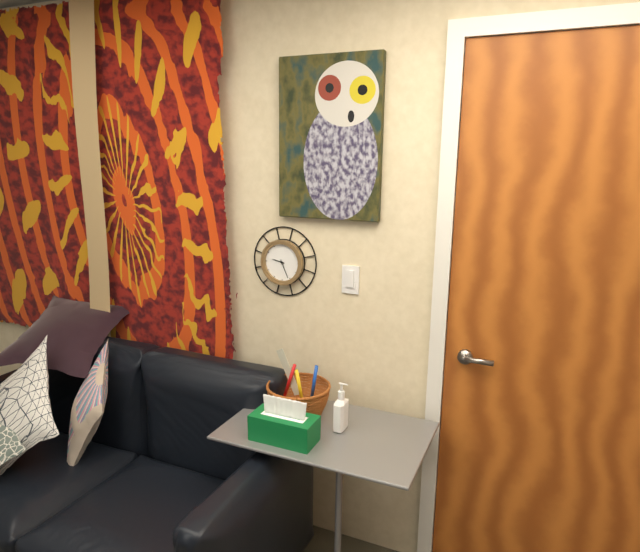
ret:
9,26
